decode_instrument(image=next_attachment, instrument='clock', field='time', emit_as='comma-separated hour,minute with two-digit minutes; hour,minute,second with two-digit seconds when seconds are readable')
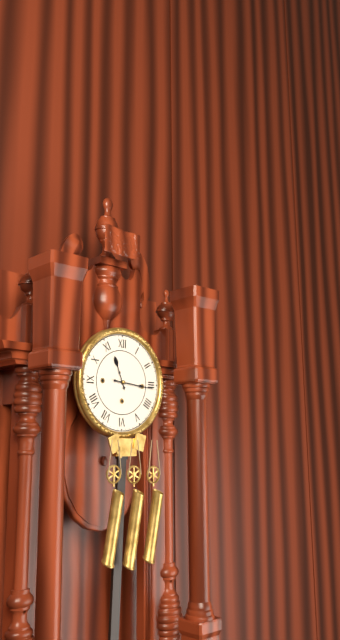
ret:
11,16
